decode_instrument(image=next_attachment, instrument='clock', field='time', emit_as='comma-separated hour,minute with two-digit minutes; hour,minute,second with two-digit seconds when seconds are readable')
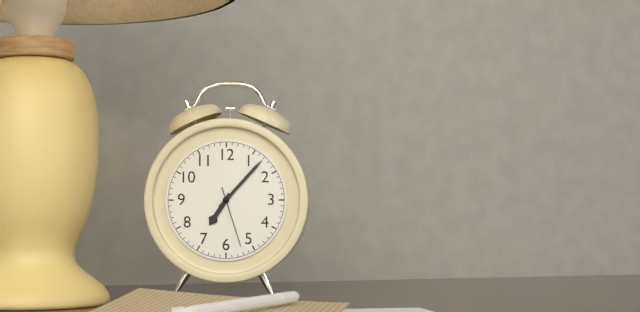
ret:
7,07,27
